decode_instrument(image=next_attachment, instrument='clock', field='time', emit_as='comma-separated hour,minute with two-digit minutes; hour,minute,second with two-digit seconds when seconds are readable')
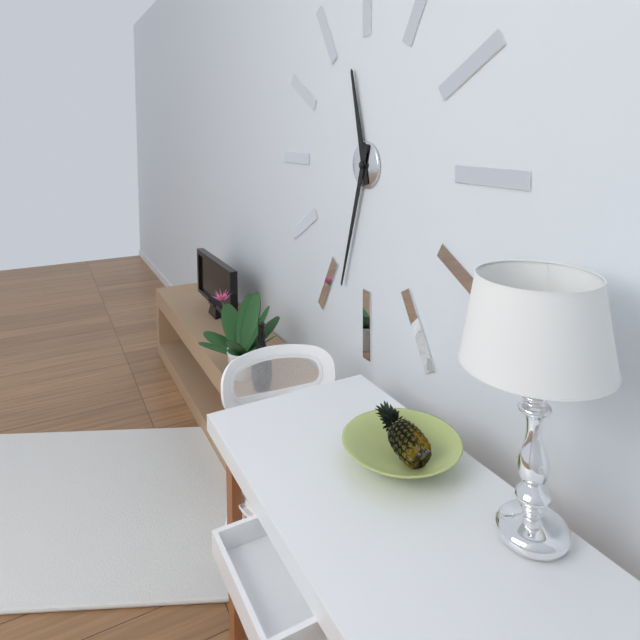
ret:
11,33
